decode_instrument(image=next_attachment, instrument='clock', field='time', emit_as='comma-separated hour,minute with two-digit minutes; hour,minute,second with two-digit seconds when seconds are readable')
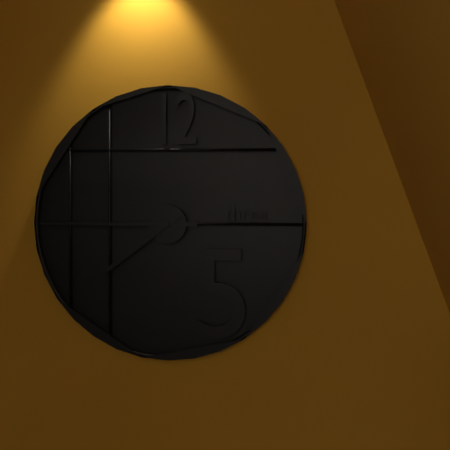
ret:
7,45
